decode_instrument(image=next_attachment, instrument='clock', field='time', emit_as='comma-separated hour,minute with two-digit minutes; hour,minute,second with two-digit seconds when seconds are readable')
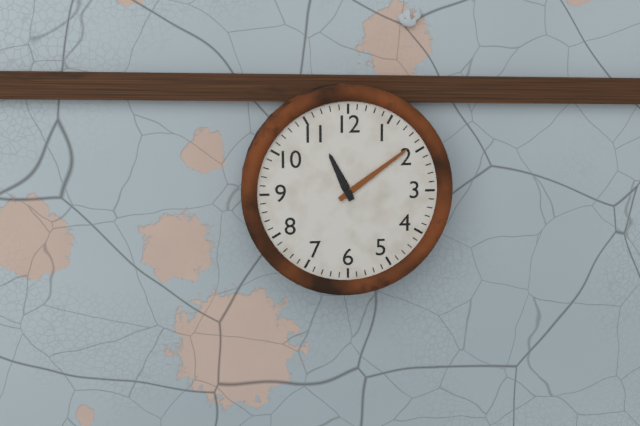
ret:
11,09
